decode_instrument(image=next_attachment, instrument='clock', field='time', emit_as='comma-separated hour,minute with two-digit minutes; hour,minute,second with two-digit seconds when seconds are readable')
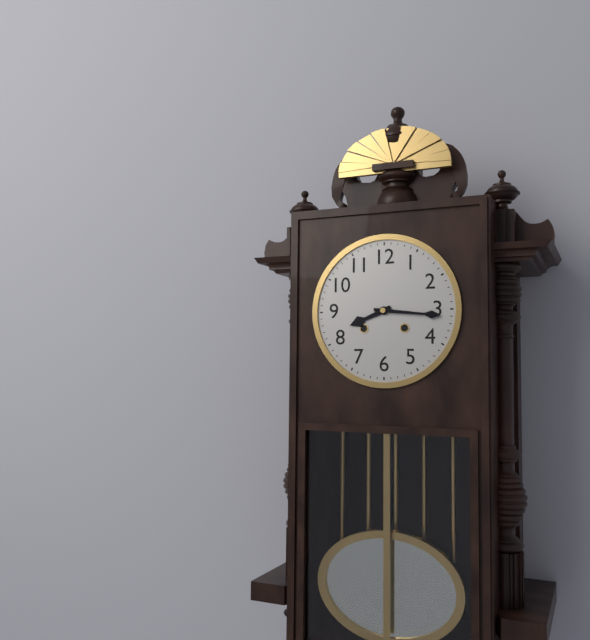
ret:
8,16
